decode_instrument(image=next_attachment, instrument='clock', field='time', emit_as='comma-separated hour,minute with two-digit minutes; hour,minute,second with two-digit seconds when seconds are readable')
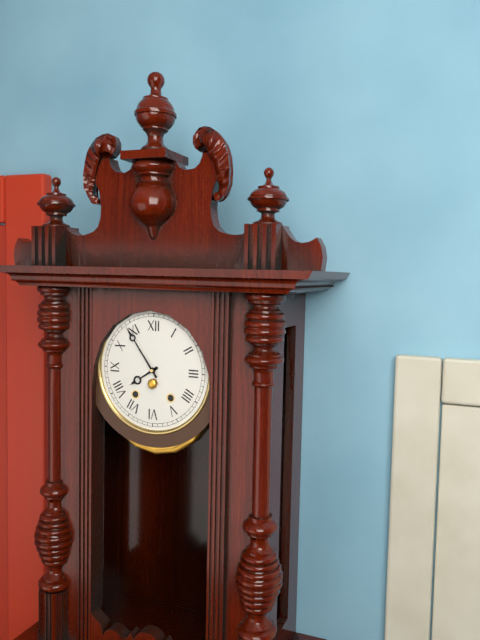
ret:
7,54
